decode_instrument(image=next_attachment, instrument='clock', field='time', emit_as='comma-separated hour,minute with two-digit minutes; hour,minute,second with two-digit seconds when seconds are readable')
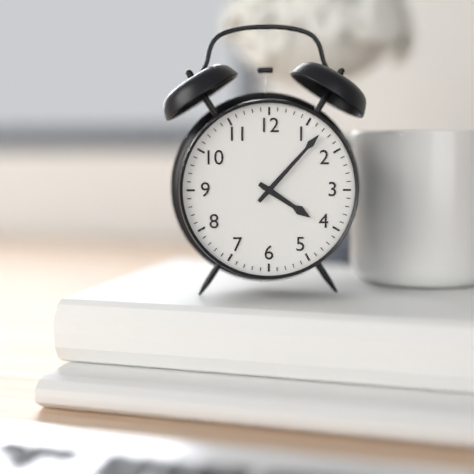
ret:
4,07
